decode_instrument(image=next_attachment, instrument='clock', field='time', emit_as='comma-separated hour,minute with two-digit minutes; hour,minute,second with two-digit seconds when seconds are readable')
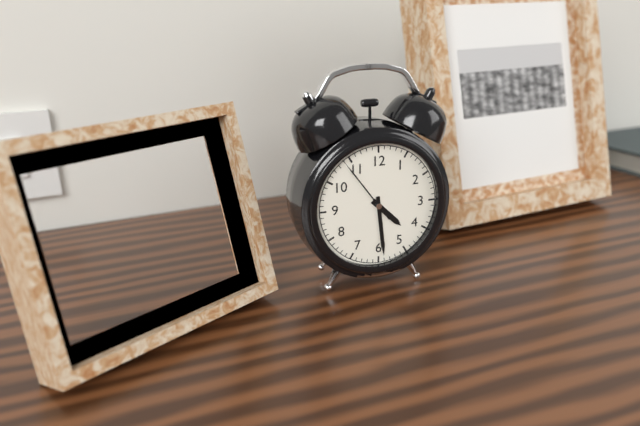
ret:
4,29,54
